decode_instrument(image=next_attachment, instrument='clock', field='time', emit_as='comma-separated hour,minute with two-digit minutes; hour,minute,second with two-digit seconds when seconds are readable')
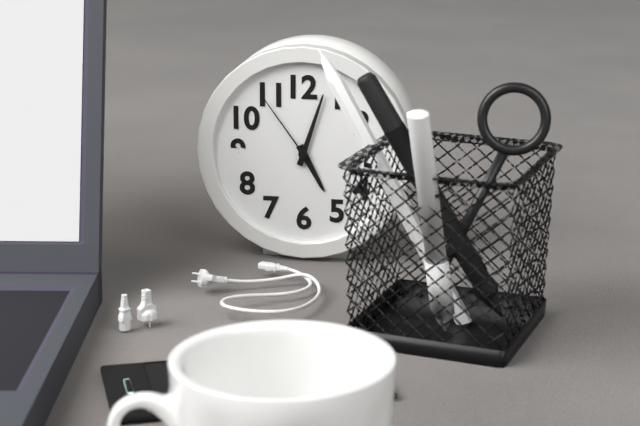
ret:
5,03,54
